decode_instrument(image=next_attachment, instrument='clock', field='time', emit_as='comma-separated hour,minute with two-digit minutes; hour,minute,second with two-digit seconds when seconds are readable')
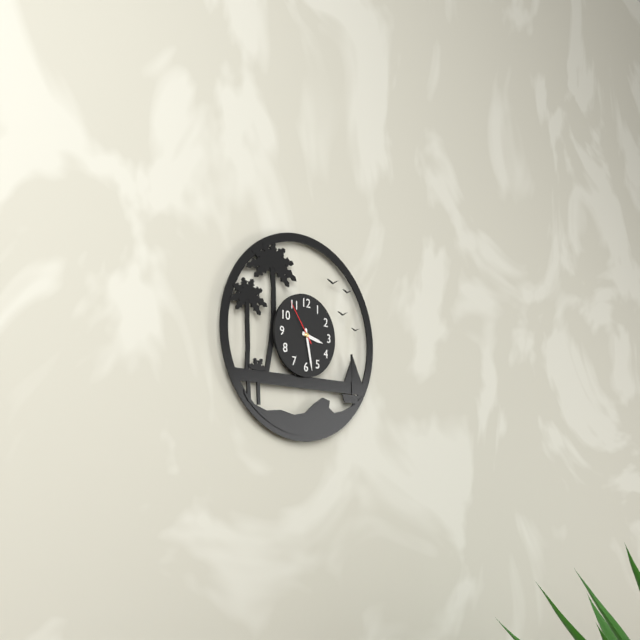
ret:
3,28
